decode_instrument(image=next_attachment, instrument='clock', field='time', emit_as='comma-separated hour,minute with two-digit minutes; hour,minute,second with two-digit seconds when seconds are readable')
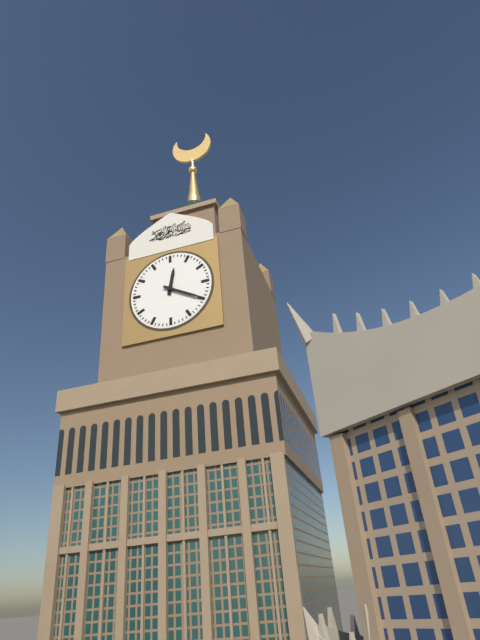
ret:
12,20
